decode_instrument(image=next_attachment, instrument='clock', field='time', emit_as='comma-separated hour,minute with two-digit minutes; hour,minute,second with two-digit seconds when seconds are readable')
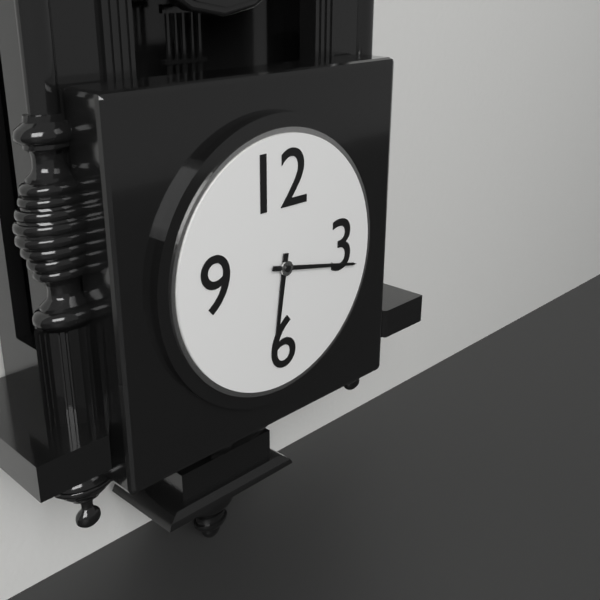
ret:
6,17
